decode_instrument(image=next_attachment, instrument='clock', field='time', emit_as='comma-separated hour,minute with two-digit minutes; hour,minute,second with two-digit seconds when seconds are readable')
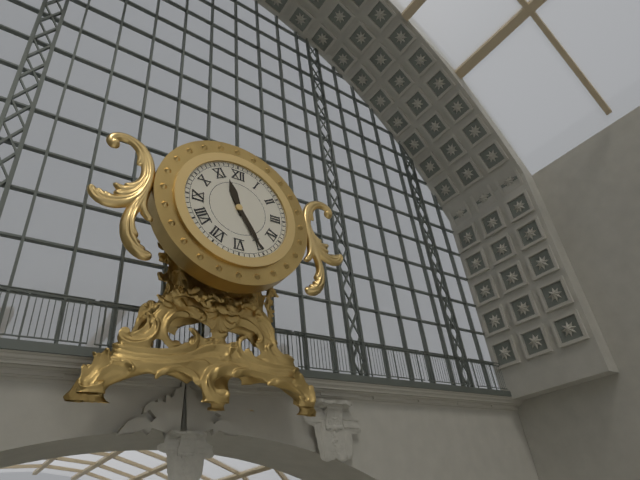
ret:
11,25
